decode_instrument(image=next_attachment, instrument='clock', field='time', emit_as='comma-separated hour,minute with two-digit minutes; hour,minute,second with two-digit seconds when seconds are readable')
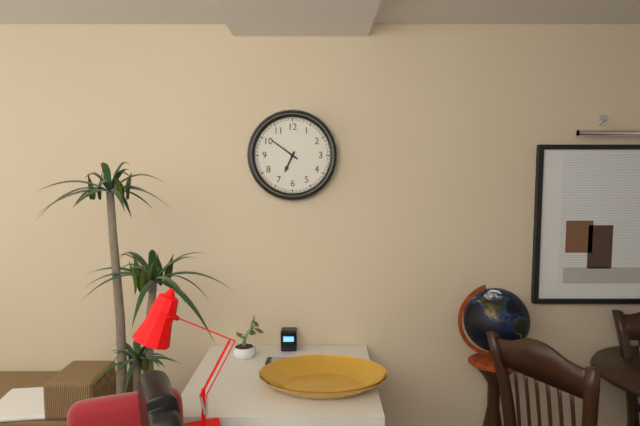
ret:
6,51
